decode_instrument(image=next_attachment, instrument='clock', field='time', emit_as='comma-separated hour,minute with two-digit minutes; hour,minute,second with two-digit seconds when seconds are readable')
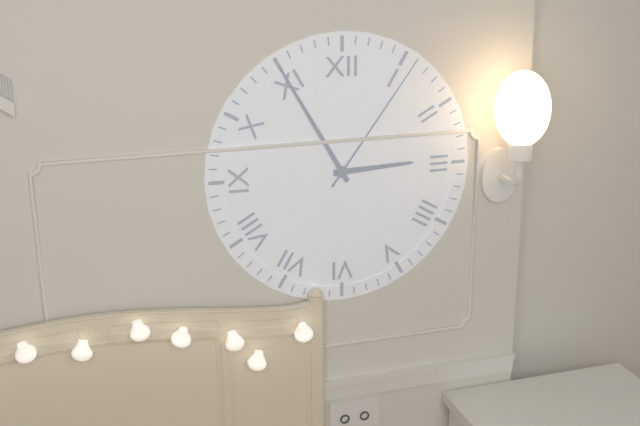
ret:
2,55,06
